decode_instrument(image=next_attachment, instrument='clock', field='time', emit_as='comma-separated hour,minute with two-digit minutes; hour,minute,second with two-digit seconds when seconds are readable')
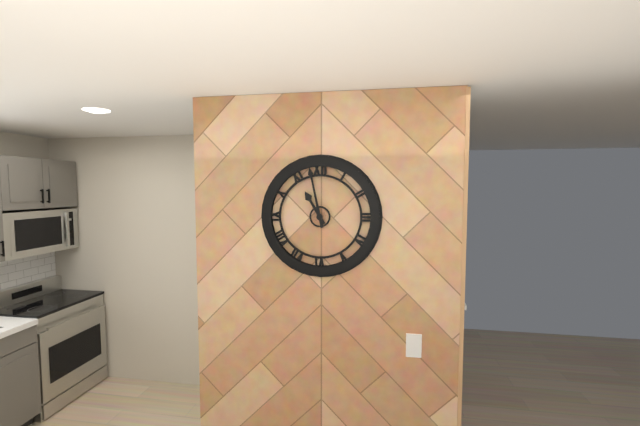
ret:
10,58
